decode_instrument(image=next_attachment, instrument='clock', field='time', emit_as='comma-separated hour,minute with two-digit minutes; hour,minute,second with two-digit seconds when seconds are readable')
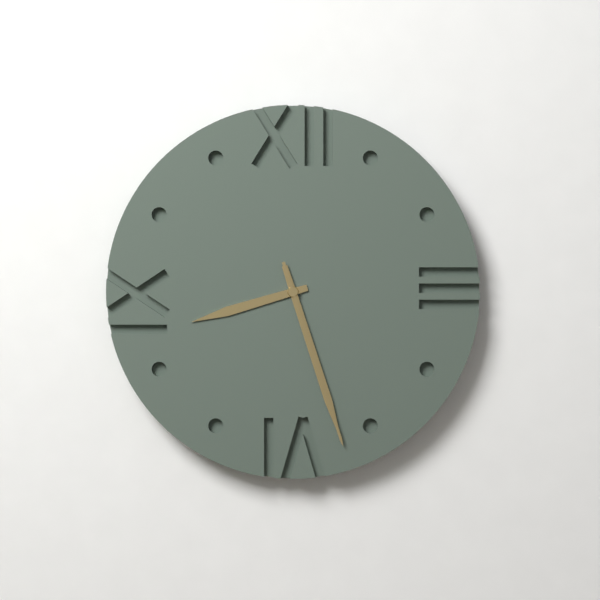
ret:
8,27,27
